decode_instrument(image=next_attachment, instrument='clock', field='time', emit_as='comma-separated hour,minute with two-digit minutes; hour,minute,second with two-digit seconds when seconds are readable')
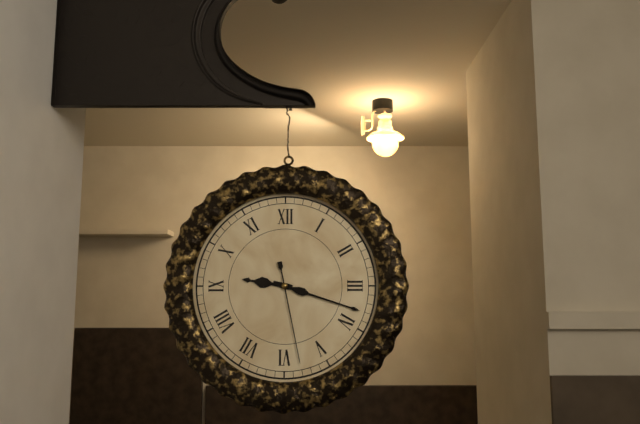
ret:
9,18,28
